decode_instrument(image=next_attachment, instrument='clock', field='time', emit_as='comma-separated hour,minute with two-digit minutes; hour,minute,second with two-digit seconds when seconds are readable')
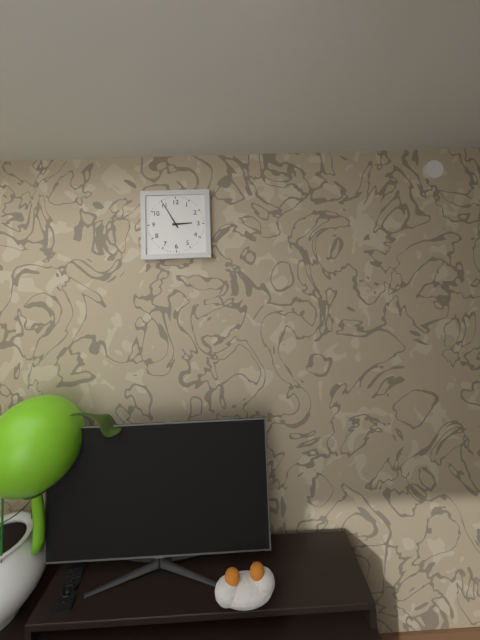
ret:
2,55
